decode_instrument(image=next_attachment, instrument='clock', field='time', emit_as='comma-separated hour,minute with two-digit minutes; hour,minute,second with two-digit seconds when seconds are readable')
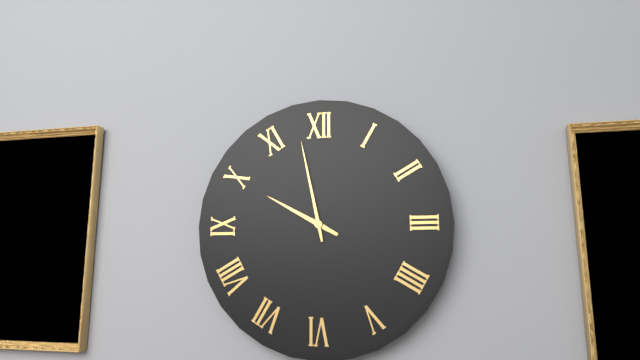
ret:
9,58
